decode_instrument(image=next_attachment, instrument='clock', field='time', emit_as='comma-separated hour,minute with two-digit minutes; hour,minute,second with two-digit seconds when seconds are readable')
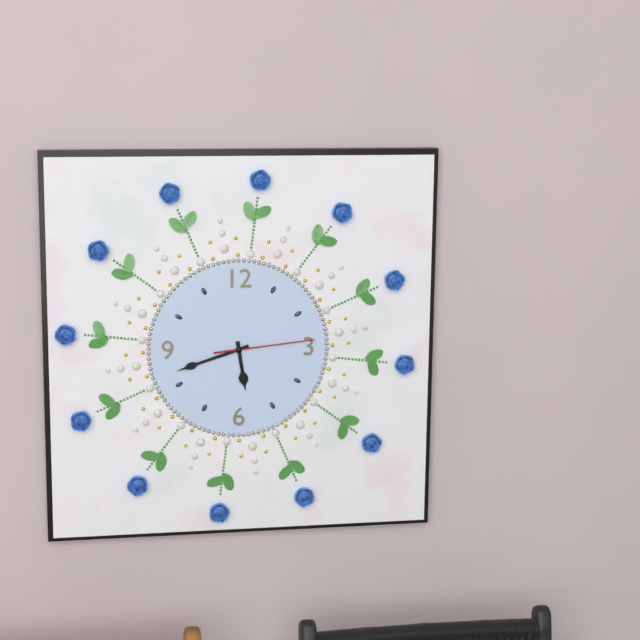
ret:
5,42,14
